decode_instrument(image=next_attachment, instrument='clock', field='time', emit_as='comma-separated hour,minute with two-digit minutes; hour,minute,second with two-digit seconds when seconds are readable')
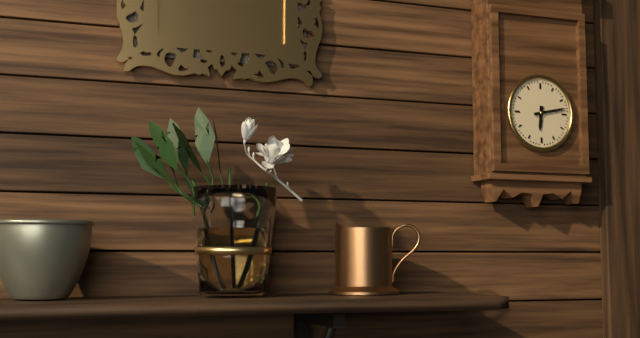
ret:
6,13
